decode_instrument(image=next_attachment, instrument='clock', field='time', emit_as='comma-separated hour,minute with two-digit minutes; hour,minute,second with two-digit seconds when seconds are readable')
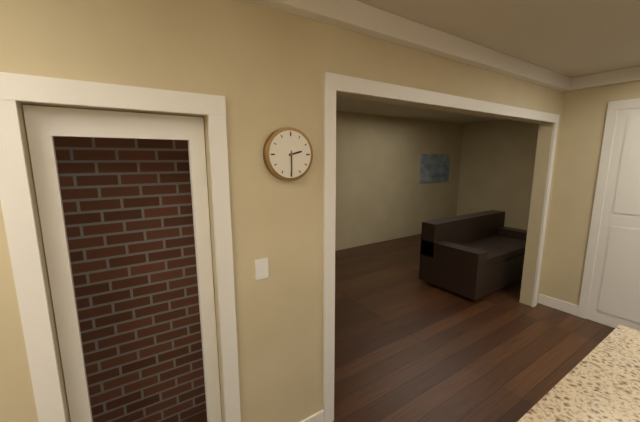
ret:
2,30
